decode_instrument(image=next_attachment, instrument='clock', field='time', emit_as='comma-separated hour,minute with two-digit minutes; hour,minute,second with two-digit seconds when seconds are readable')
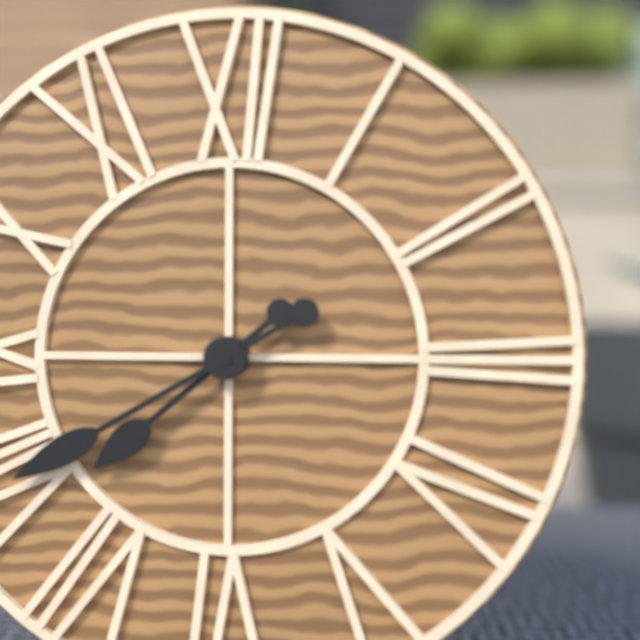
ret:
7,40
